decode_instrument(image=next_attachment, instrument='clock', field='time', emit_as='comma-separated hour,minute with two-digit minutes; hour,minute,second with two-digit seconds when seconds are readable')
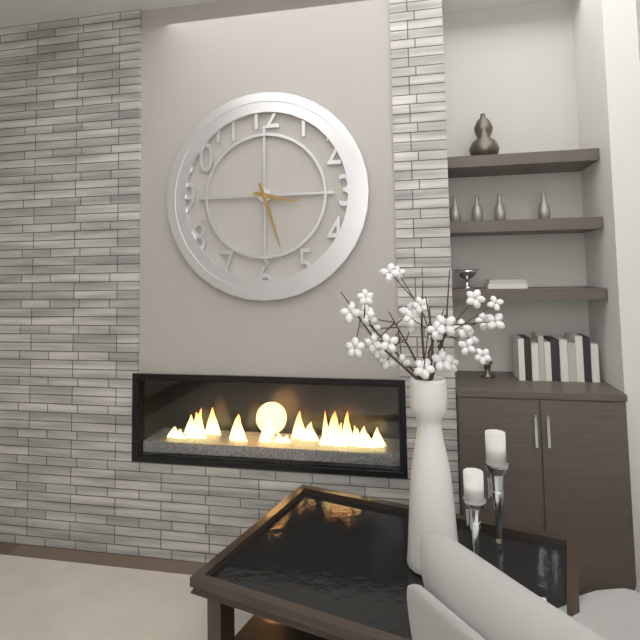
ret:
3,27
